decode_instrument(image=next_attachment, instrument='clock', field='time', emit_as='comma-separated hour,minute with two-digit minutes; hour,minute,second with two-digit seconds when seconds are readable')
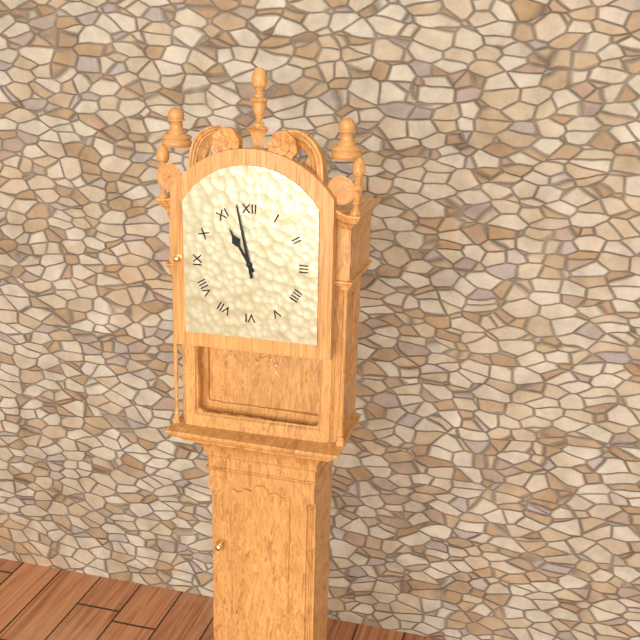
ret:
10,58
